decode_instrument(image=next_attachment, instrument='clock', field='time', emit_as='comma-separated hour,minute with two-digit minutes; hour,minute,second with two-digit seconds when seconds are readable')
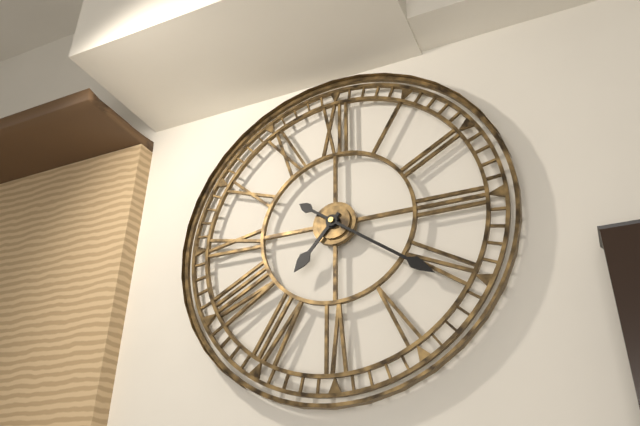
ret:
7,21
